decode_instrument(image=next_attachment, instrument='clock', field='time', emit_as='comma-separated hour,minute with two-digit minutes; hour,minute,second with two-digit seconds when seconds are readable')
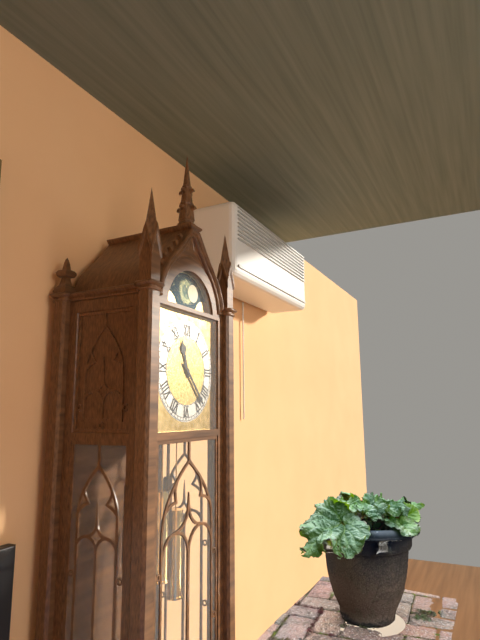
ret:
11,23
